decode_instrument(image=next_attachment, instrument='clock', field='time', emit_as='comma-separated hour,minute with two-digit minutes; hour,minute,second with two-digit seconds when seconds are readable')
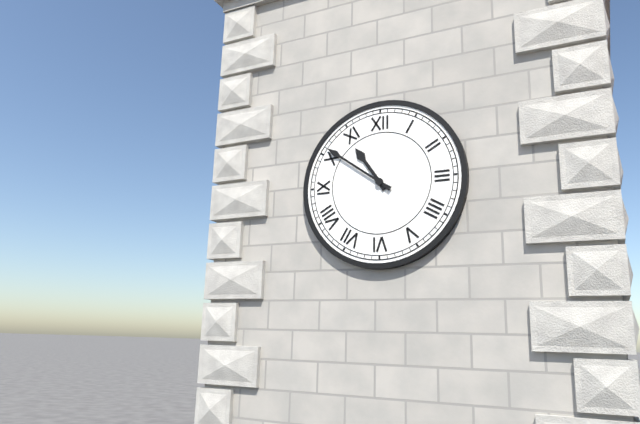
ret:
10,51
